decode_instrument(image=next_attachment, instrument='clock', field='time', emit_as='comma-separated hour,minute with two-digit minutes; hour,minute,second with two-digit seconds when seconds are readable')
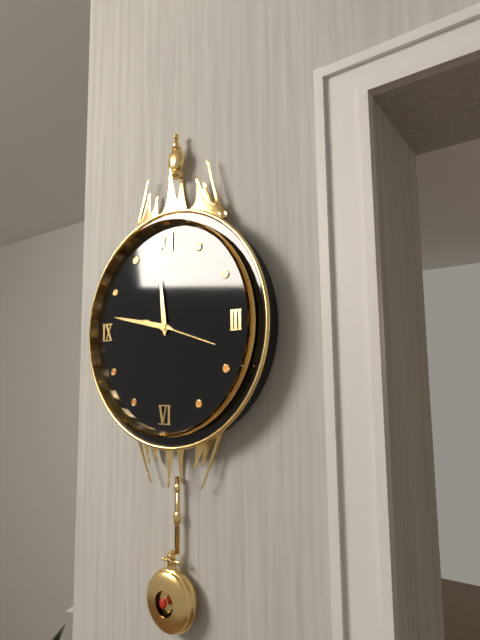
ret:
11,47
